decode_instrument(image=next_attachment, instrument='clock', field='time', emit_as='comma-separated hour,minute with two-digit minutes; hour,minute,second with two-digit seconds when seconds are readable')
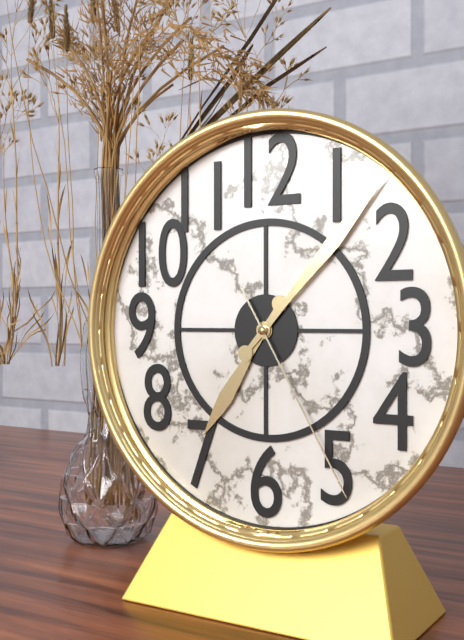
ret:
7,07,25
